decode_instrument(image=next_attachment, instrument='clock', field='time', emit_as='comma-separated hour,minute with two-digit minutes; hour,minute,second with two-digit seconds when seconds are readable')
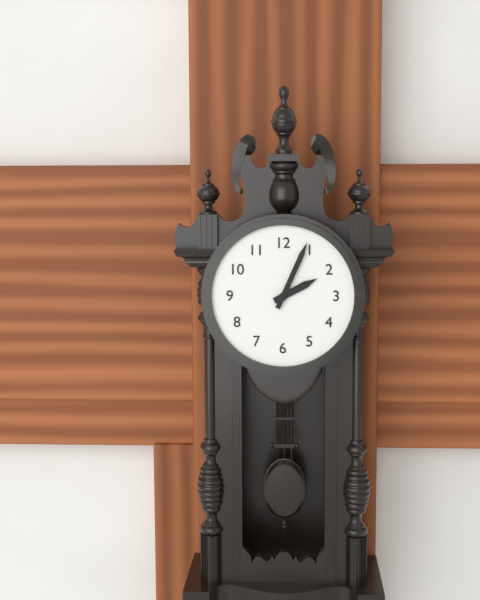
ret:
2,04
